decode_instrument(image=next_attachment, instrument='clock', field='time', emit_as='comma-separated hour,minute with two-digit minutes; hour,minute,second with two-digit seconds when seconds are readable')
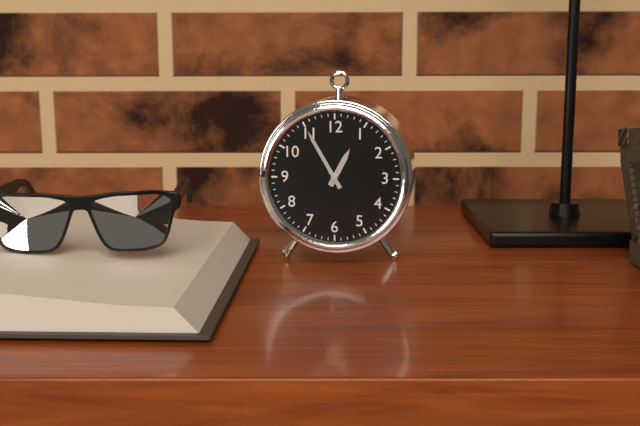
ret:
12,55
